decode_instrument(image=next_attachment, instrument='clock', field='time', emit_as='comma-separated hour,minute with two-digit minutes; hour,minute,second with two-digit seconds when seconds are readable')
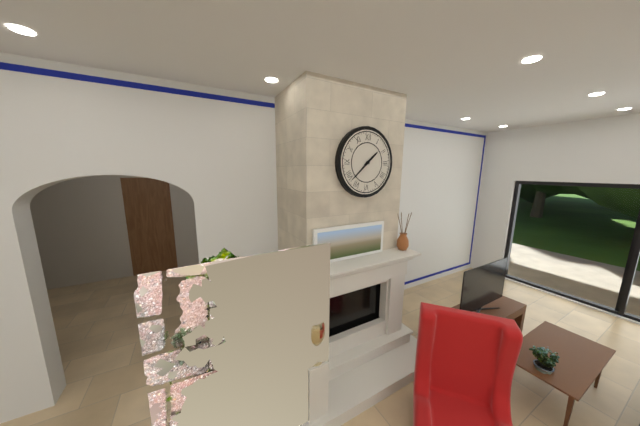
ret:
1,38
